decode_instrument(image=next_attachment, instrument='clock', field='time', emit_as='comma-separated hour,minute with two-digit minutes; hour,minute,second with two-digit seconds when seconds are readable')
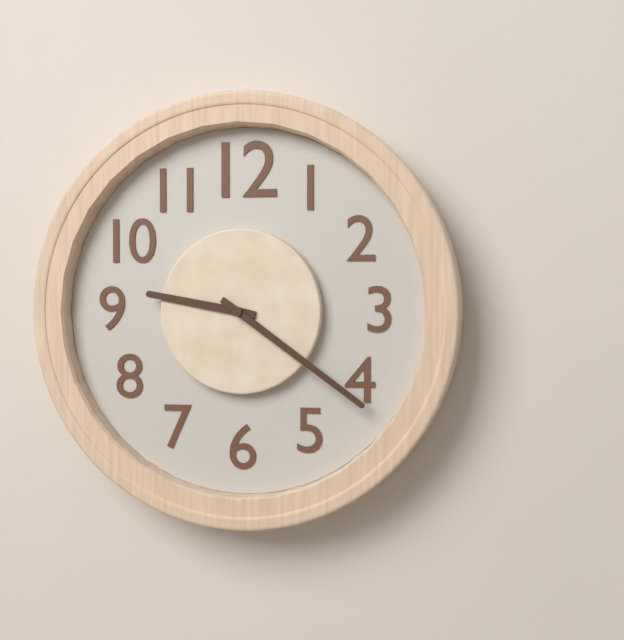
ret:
9,21
